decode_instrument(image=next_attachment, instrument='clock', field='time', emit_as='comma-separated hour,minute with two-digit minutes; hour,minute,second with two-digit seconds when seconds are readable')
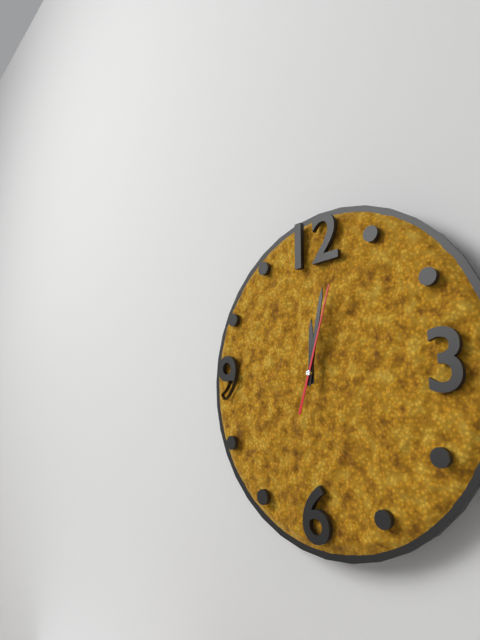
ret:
12,02,03
